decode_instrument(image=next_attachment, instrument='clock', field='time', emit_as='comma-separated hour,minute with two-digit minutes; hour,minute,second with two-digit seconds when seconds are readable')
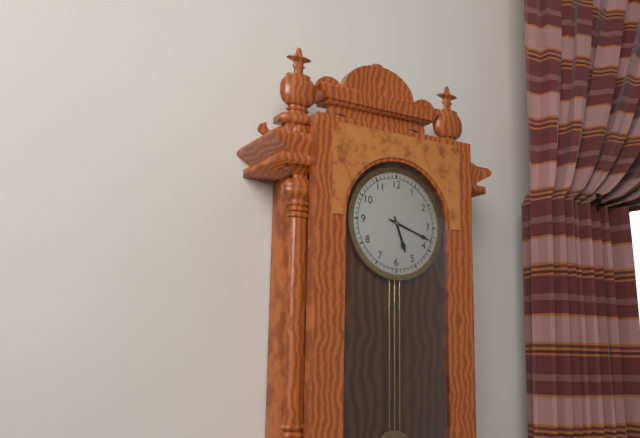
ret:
5,18
